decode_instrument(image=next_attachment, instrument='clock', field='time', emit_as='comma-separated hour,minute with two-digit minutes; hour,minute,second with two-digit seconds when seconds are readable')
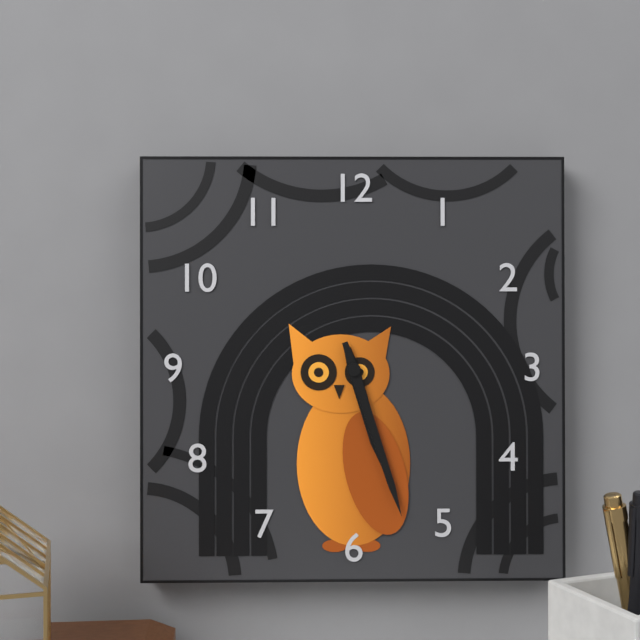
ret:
5,27
